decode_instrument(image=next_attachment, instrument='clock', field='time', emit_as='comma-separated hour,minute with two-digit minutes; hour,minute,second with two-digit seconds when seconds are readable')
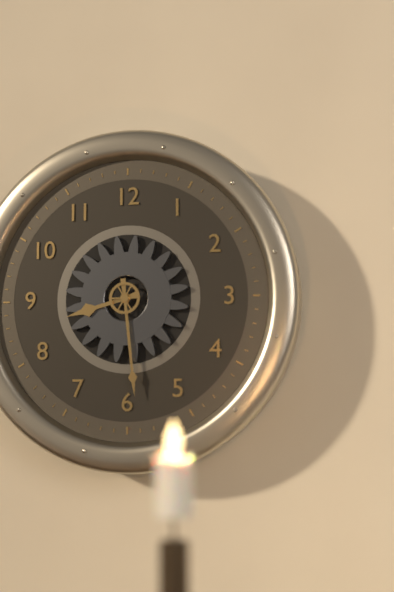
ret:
8,29
